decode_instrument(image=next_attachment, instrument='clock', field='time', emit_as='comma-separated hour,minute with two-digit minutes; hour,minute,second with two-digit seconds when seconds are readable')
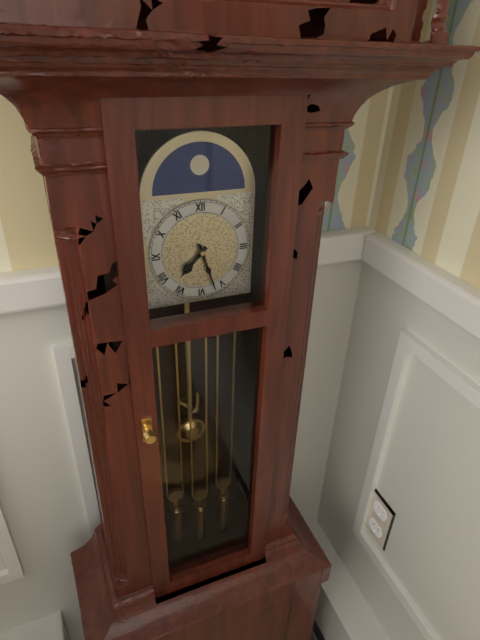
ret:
7,27
